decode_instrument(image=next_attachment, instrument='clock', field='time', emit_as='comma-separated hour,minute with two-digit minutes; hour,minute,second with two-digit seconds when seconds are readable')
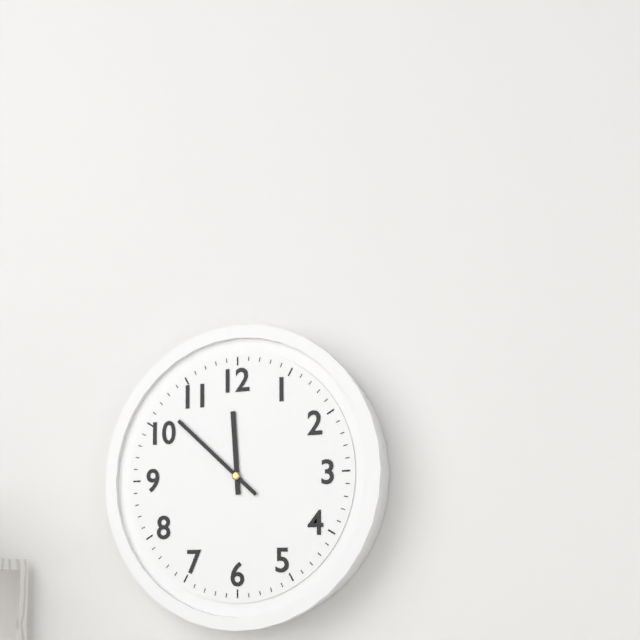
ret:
11,52
